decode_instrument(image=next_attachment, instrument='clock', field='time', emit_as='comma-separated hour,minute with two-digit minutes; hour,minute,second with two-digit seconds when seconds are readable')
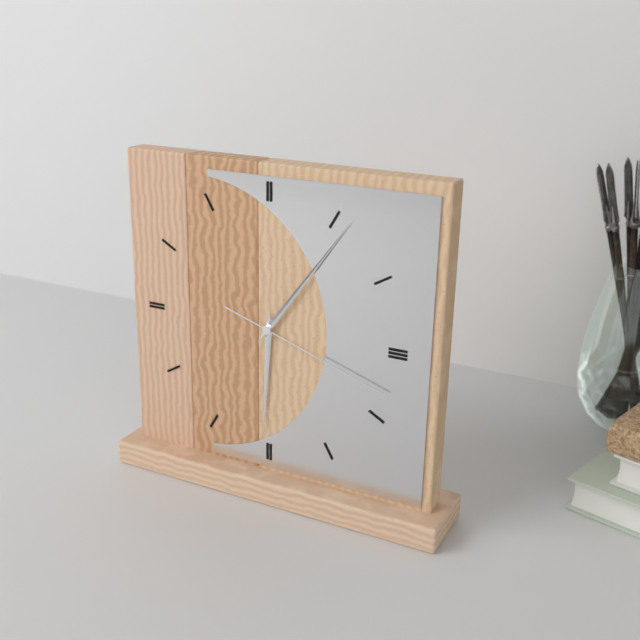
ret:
6,06,18
